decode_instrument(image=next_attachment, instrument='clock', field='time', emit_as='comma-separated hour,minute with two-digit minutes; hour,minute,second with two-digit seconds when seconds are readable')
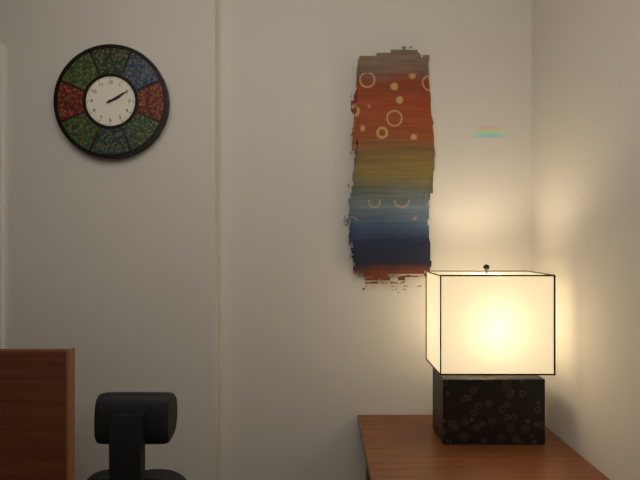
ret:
2,10
